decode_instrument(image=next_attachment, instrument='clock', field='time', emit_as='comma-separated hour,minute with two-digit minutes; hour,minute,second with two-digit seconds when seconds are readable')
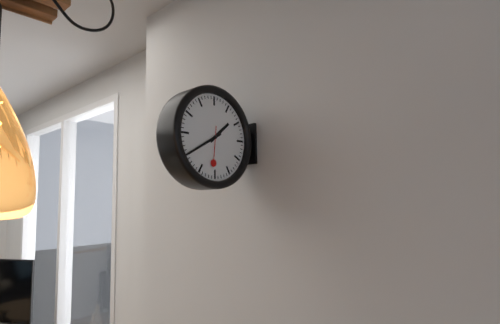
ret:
1,40
